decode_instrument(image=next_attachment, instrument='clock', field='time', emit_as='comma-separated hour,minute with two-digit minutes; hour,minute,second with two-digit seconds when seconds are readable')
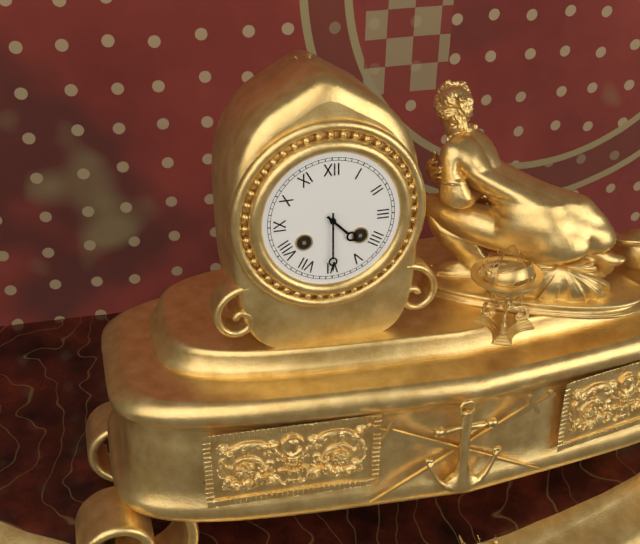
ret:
4,30
